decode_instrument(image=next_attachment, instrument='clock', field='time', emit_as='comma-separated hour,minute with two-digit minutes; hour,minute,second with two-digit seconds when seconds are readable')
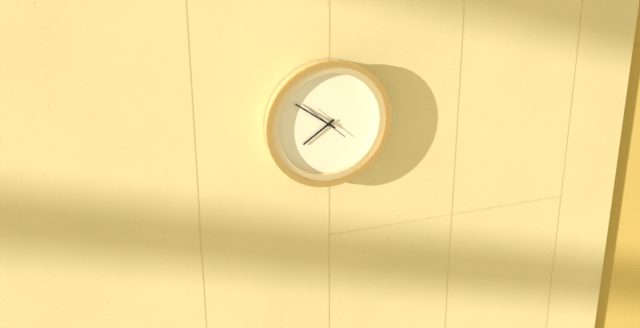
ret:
7,51
